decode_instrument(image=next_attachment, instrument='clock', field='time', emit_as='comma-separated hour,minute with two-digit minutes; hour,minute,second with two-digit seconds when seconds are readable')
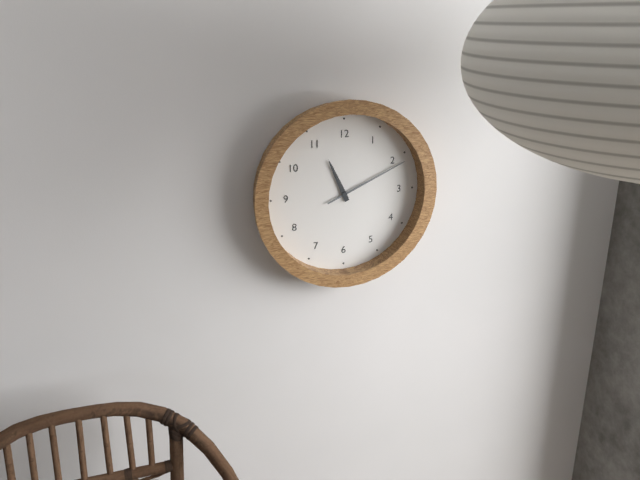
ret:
11,11
